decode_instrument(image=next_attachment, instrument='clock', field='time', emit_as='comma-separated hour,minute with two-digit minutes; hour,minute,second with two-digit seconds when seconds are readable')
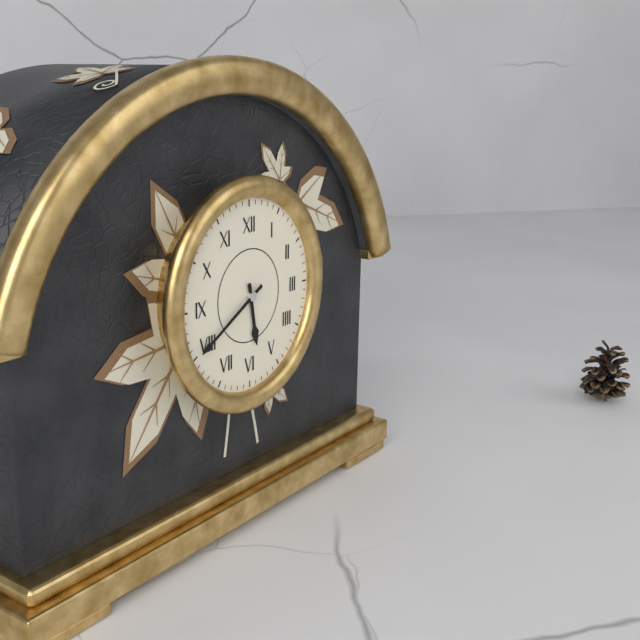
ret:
5,40
